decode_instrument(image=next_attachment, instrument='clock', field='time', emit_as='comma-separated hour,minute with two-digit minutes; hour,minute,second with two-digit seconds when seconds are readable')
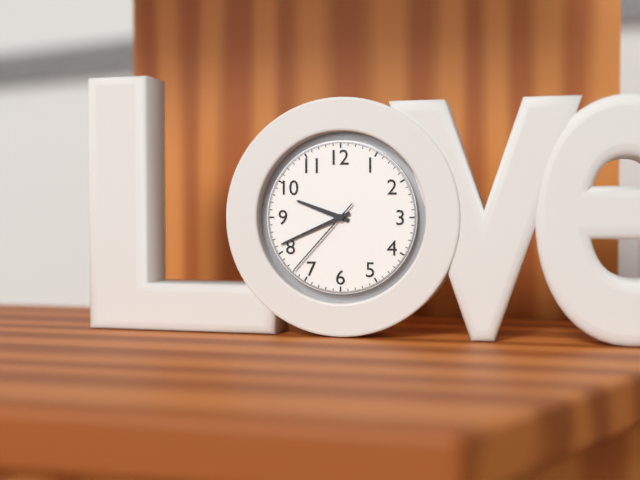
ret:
9,41,37
